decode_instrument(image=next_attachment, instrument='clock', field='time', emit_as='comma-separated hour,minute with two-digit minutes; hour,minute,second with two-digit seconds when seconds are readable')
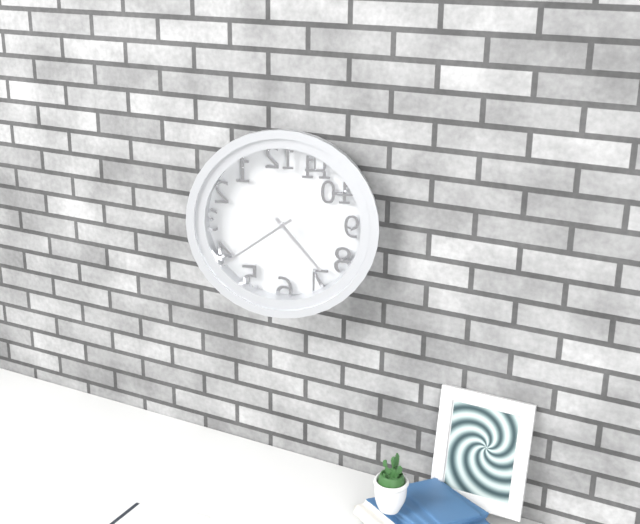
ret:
4,39
